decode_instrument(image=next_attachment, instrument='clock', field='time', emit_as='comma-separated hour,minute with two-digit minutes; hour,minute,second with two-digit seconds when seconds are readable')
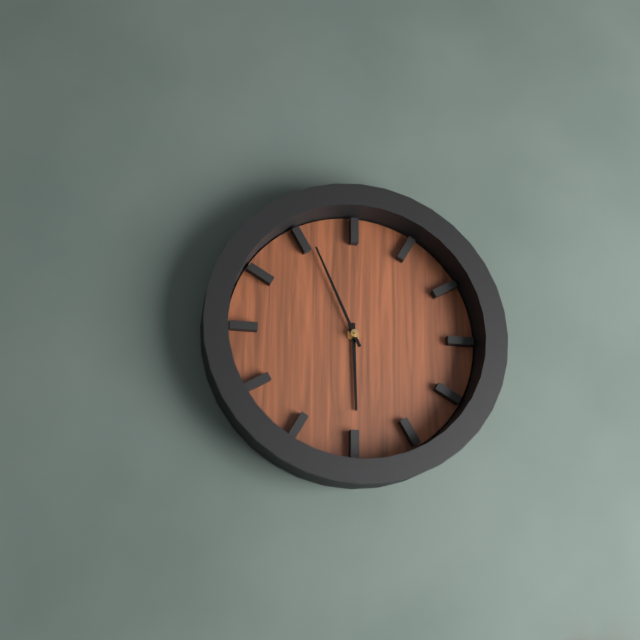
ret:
5,56
